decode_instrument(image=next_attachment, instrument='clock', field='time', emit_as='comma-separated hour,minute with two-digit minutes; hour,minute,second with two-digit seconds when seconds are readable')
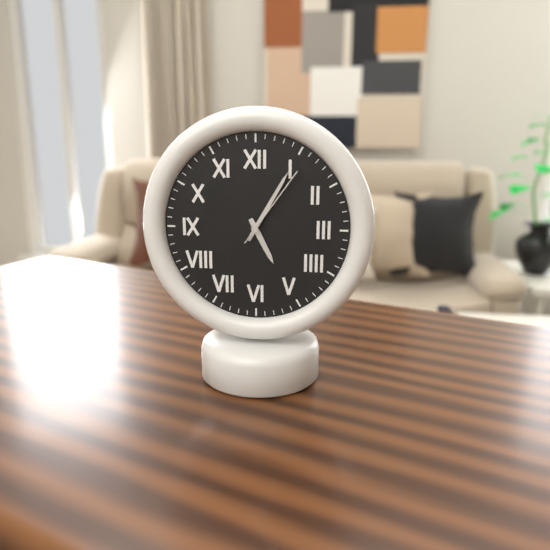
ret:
5,05,06
